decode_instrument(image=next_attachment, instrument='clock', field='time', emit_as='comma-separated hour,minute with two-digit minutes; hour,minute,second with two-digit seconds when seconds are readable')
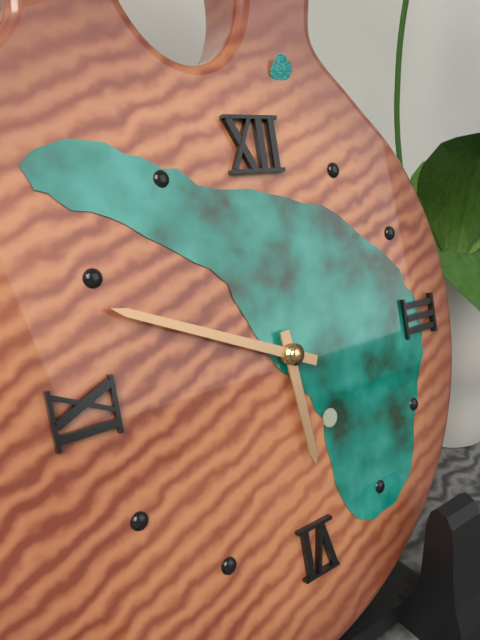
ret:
5,49
